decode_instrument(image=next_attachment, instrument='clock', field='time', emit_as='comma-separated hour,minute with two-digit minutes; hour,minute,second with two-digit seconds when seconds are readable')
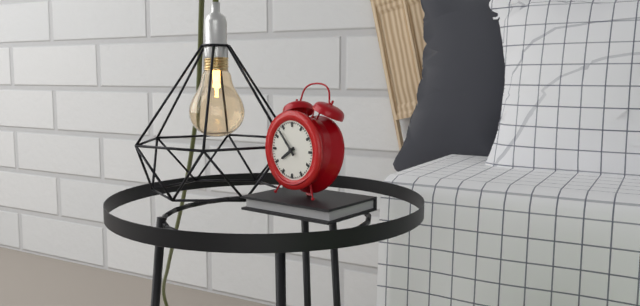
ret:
7,53
